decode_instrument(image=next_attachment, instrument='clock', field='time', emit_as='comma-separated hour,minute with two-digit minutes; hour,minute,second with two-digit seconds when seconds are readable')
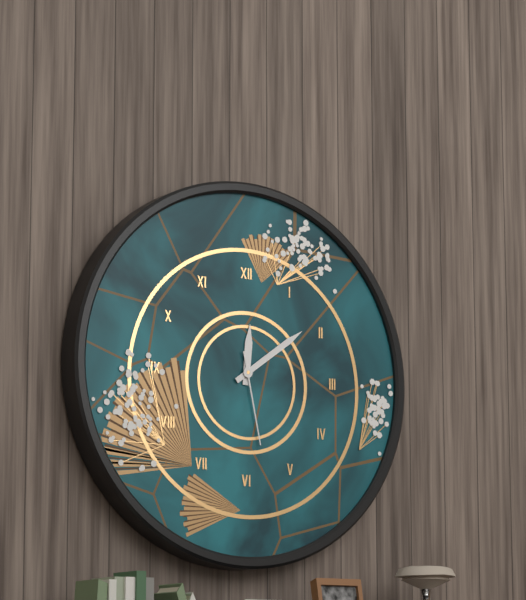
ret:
12,09,28
